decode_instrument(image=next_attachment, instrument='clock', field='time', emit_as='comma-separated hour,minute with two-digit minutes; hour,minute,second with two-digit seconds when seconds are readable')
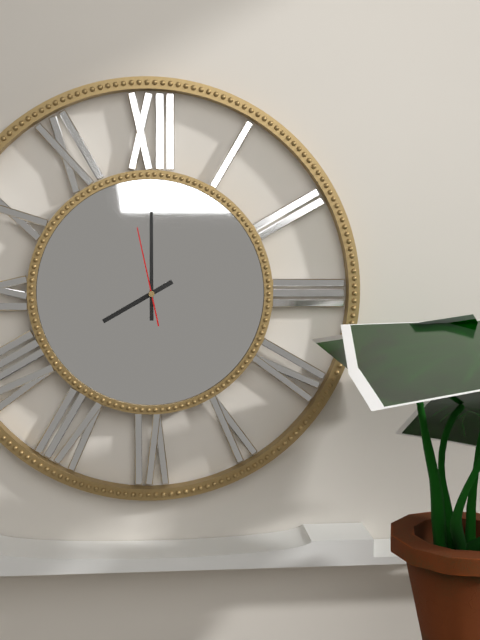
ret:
8,00,58
